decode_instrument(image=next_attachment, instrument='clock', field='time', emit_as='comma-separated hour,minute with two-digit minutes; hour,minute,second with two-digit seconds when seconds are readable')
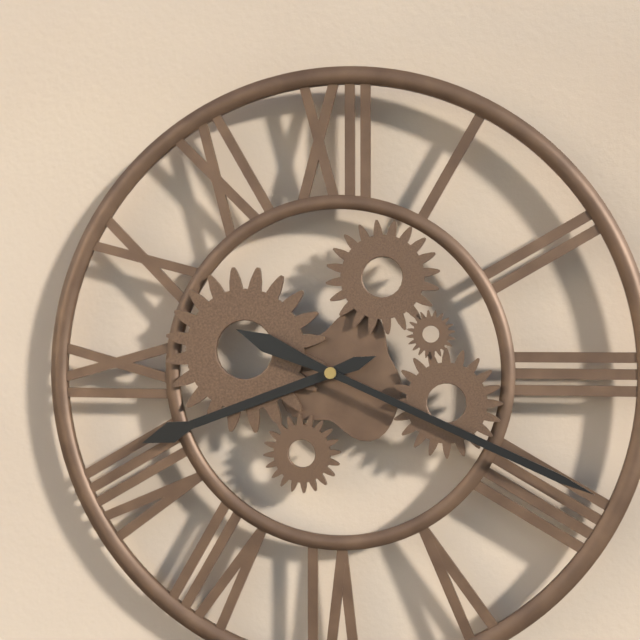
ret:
8,19
